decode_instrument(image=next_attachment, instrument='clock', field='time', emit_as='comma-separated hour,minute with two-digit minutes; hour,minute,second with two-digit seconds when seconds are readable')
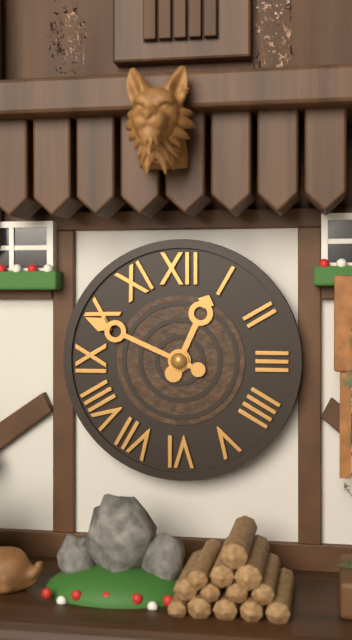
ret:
12,49
